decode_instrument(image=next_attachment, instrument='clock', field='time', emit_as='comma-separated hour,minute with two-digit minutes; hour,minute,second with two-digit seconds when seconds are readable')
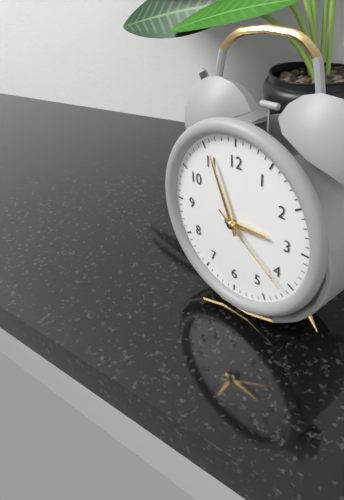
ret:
2,56,21
